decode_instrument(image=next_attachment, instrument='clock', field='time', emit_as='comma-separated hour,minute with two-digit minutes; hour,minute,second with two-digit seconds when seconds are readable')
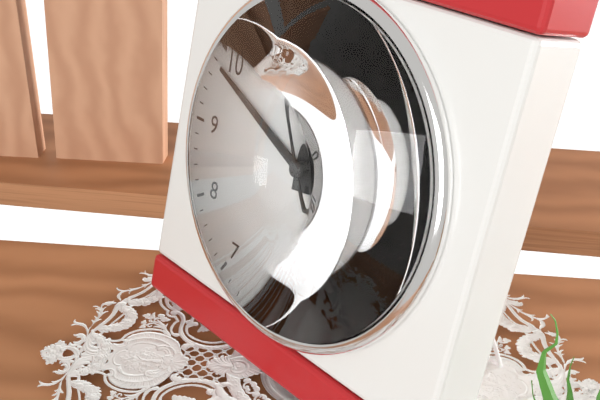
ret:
11,49,55
